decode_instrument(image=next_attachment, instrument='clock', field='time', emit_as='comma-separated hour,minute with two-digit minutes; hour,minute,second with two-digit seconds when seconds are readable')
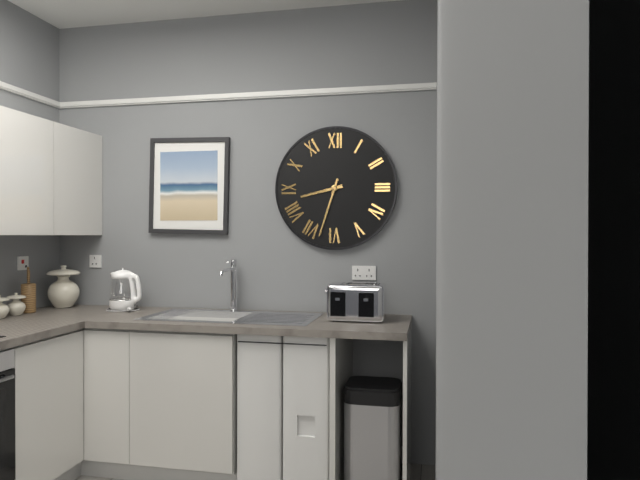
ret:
8,33
